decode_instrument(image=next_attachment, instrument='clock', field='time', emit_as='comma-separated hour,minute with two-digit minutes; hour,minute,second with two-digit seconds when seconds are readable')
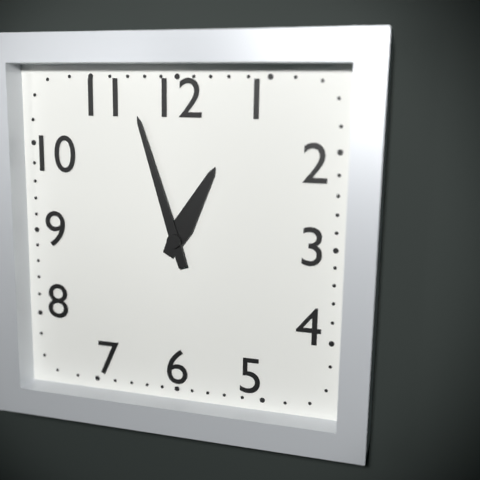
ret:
12,57
